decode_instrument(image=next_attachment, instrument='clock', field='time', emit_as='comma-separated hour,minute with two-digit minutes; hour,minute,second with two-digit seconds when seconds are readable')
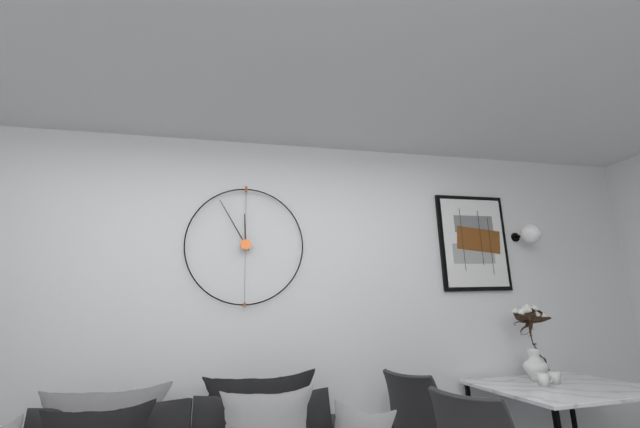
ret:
11,55
